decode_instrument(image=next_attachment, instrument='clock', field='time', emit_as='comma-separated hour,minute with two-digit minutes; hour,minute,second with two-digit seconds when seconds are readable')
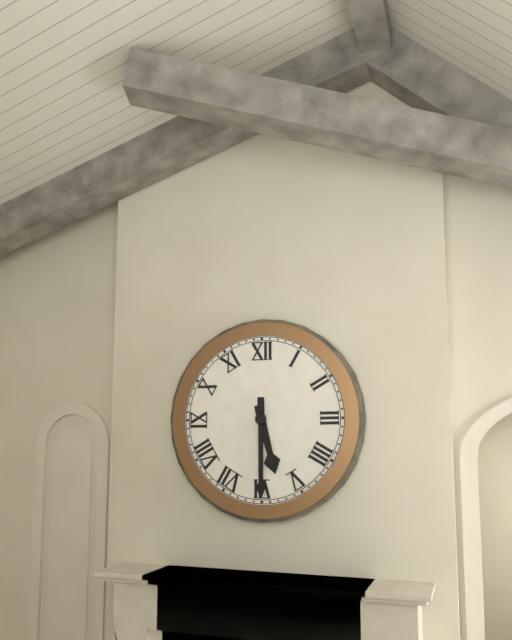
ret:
5,30
